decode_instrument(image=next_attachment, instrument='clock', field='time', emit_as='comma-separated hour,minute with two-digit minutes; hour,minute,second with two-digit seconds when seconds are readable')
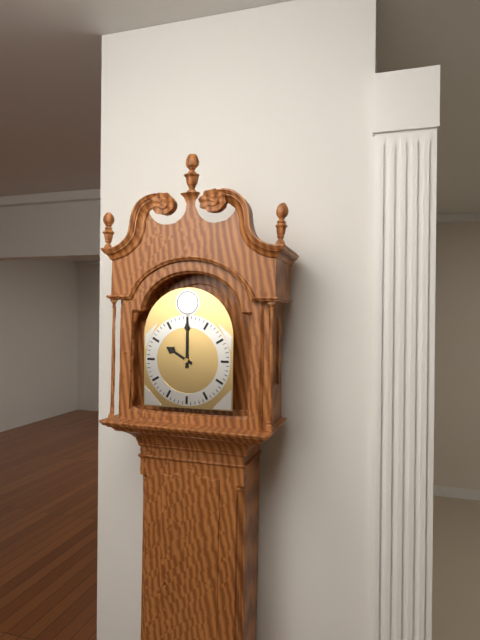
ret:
10,00
